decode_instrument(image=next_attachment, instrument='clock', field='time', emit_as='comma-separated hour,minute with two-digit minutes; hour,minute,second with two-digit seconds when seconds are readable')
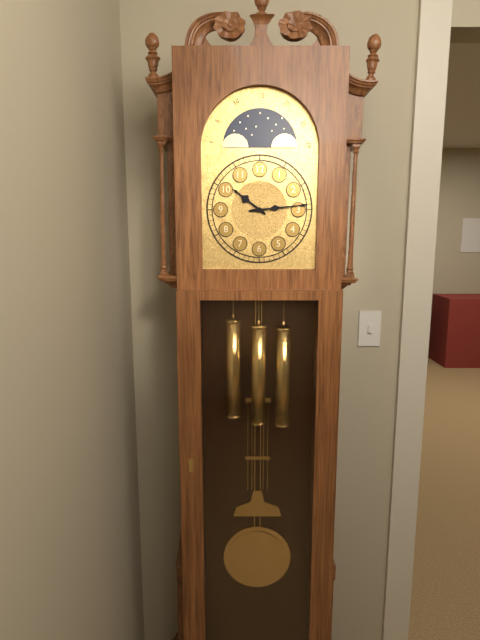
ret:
10,14
